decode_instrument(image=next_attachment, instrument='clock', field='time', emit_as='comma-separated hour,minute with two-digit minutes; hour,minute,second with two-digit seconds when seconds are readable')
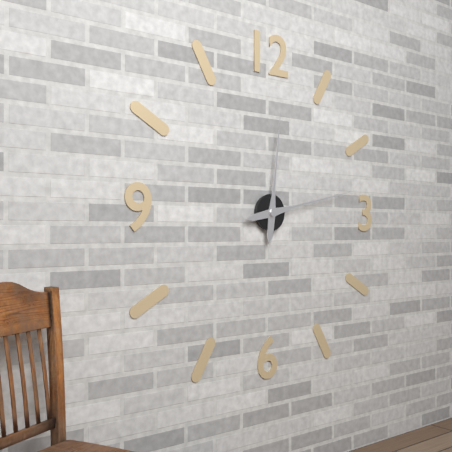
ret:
12,13
